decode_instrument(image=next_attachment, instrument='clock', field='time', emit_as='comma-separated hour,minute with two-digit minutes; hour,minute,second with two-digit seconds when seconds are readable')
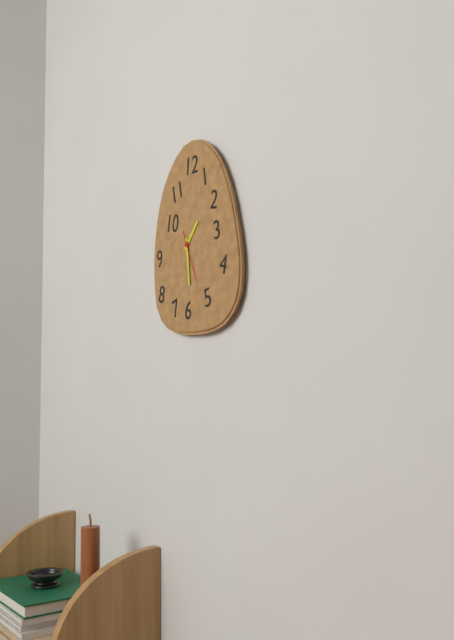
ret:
1,29
